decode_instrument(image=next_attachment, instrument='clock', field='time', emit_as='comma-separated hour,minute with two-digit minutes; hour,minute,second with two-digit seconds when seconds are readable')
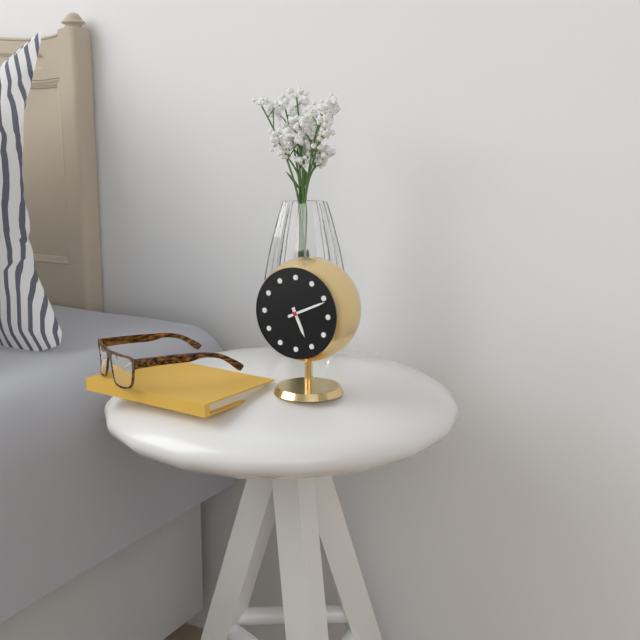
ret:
5,11
